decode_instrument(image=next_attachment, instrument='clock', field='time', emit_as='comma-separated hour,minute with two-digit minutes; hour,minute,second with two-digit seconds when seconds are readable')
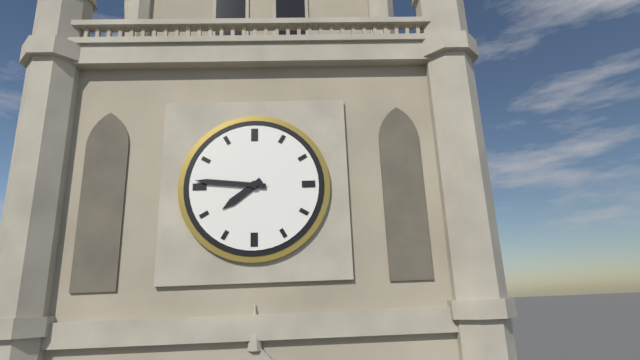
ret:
7,46
